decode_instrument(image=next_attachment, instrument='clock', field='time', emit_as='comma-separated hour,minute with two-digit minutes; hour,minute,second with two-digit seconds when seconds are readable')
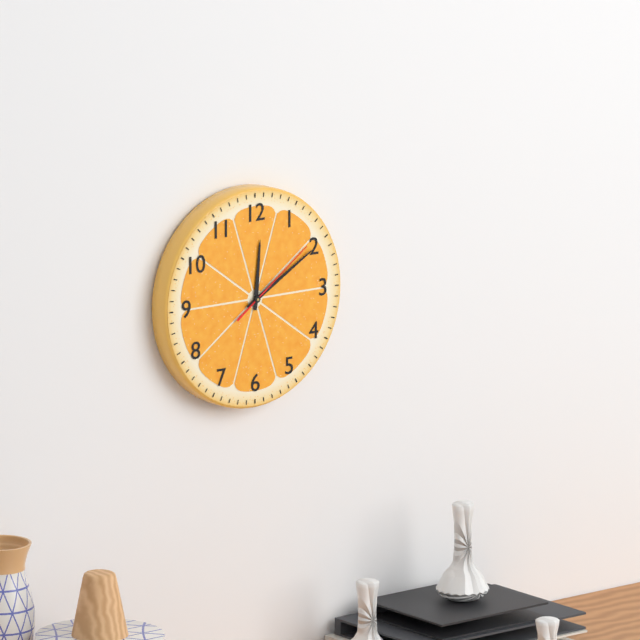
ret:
12,10,09
